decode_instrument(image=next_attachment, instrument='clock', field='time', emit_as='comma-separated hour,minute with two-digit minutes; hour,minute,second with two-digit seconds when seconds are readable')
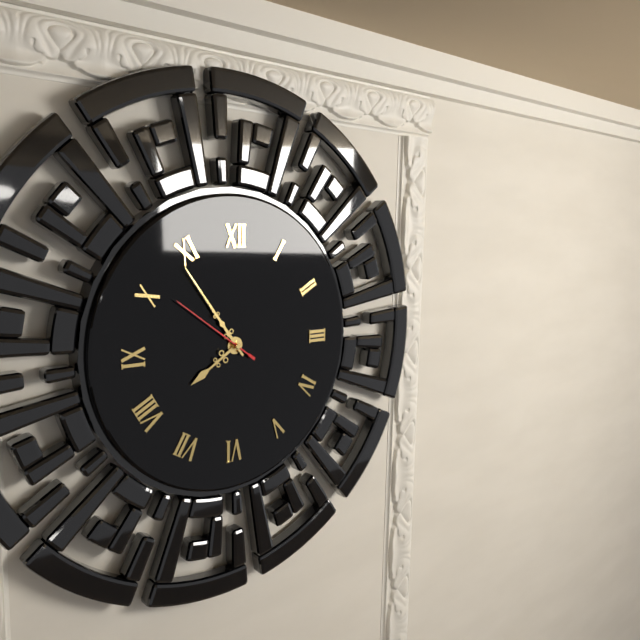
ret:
7,54,51
